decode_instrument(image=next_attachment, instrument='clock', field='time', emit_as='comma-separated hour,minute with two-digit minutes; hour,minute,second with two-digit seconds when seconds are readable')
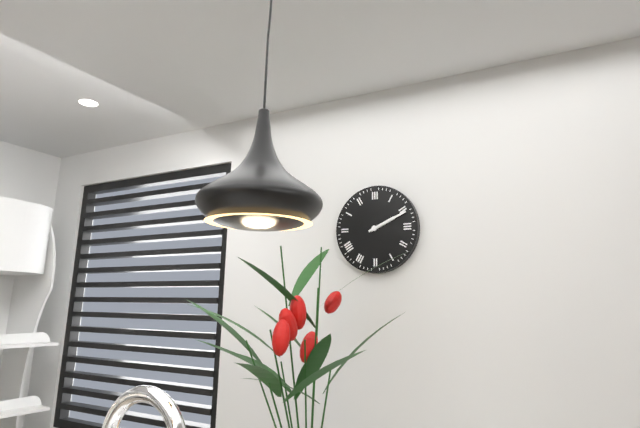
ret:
2,11
